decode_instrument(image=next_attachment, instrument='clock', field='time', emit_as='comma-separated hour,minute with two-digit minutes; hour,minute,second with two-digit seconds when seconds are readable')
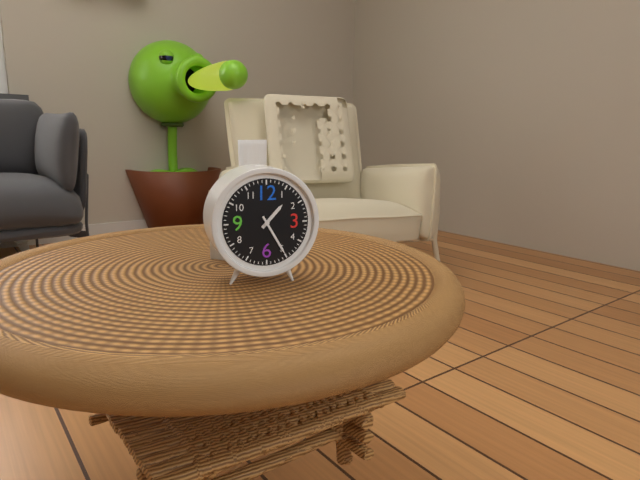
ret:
1,25
